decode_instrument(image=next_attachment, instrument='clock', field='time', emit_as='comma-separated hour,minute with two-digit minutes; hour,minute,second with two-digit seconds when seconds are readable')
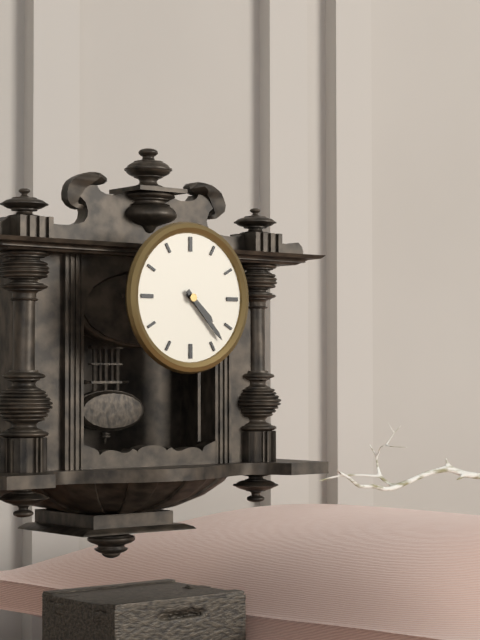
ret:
4,23
